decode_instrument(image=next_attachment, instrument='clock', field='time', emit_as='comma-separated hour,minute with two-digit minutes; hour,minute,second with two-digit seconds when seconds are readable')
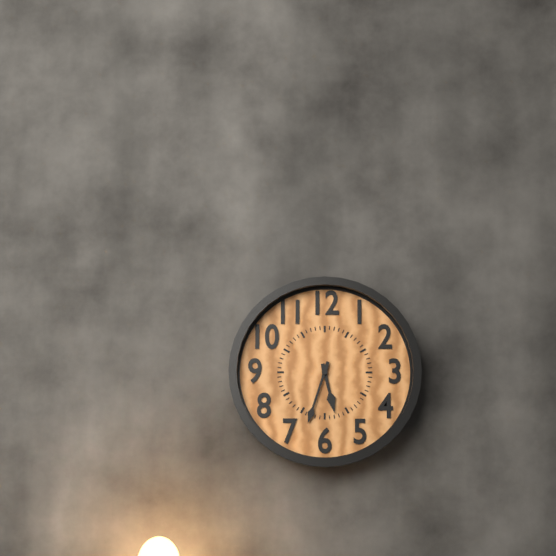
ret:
5,33
